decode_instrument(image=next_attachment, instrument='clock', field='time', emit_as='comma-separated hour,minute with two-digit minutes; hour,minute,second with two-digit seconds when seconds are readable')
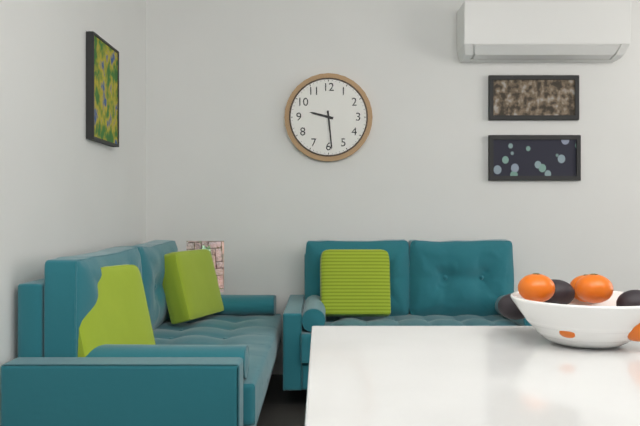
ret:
9,29
